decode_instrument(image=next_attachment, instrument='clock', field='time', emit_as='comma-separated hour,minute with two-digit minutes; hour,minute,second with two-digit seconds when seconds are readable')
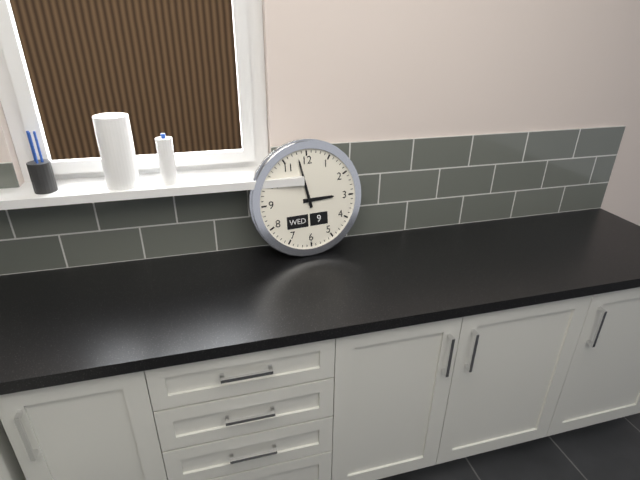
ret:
2,58
